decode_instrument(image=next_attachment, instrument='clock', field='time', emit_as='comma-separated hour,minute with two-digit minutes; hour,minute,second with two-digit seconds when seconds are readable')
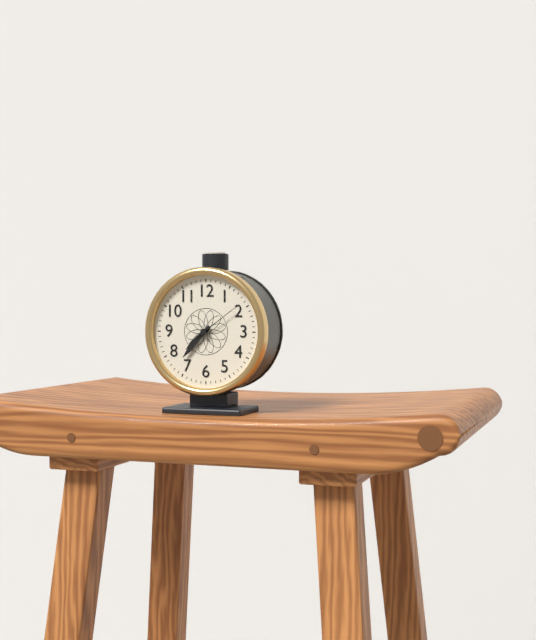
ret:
7,37
